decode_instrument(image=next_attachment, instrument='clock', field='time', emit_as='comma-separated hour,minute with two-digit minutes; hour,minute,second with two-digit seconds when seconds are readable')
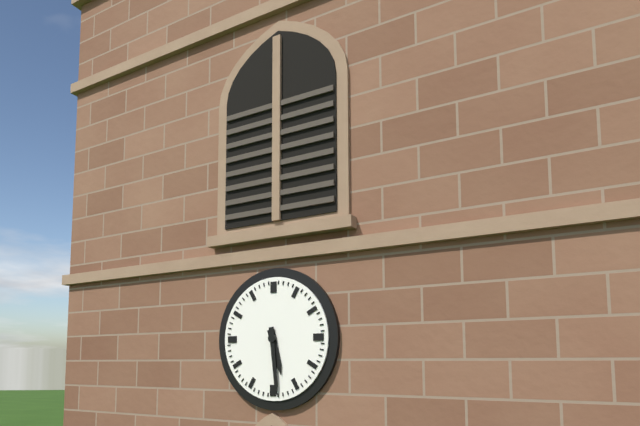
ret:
5,29
